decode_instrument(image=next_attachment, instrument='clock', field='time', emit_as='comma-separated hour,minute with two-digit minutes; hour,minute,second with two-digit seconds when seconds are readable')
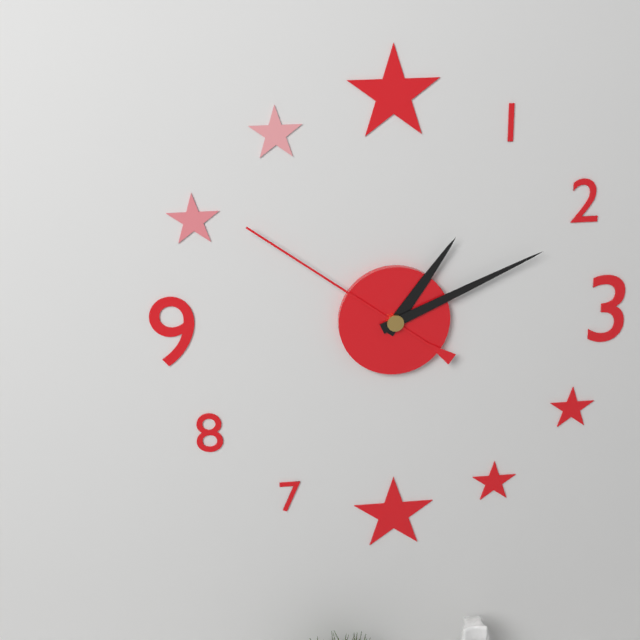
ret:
1,11,51
